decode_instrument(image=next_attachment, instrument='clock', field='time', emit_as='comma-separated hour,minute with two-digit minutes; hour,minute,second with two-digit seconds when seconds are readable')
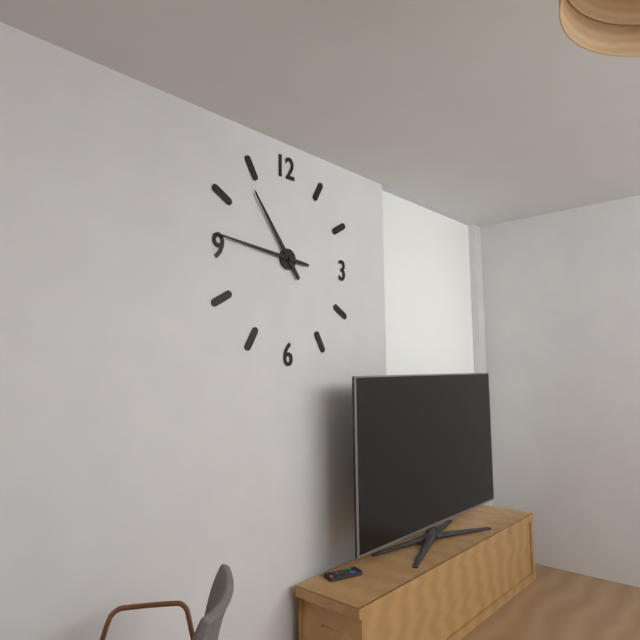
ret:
10,46
